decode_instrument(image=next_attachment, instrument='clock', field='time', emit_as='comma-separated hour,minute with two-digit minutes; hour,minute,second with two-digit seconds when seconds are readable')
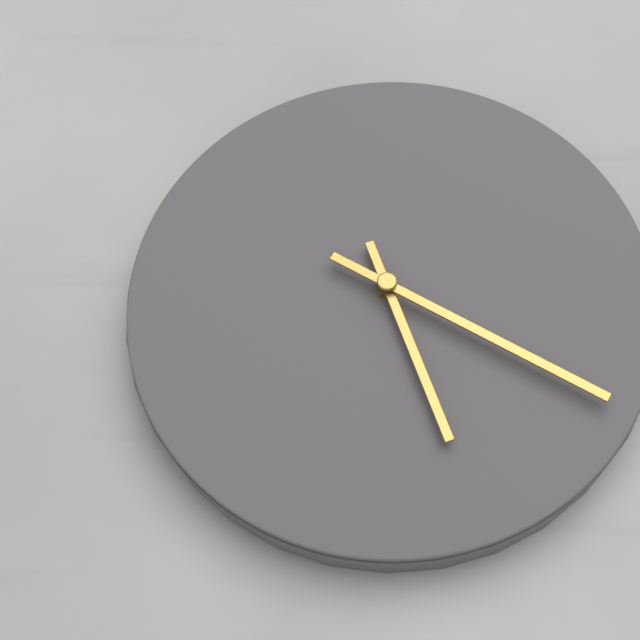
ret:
5,20
